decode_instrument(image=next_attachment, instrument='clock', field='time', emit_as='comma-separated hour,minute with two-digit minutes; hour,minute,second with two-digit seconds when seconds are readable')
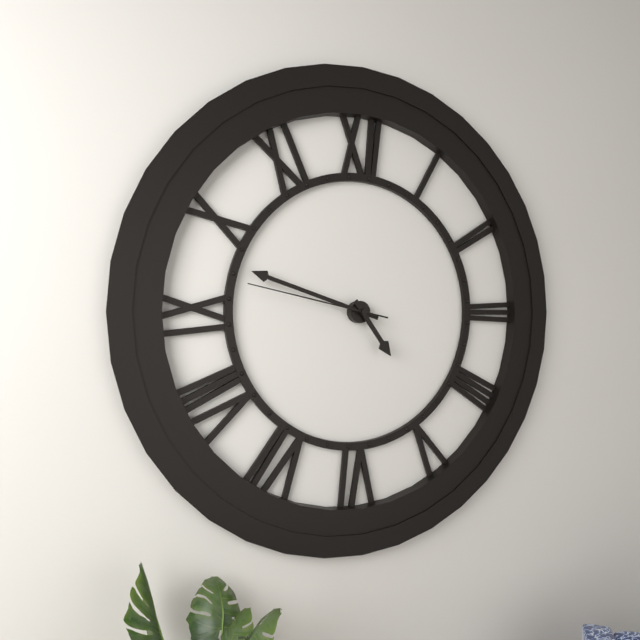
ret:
4,48,47
